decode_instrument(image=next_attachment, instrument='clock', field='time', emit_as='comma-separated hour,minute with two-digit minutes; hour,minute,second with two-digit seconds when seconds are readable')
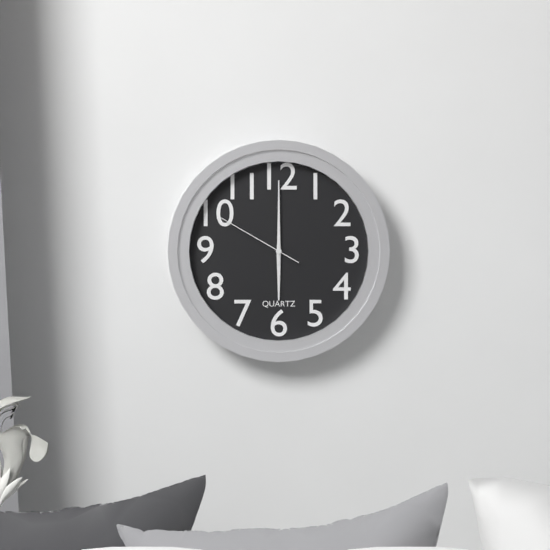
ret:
6,00,50
